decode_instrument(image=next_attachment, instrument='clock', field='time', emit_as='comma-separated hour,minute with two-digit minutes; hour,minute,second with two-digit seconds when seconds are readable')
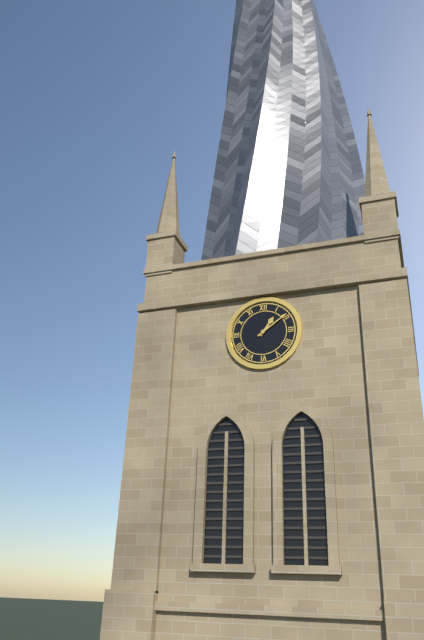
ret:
1,09
